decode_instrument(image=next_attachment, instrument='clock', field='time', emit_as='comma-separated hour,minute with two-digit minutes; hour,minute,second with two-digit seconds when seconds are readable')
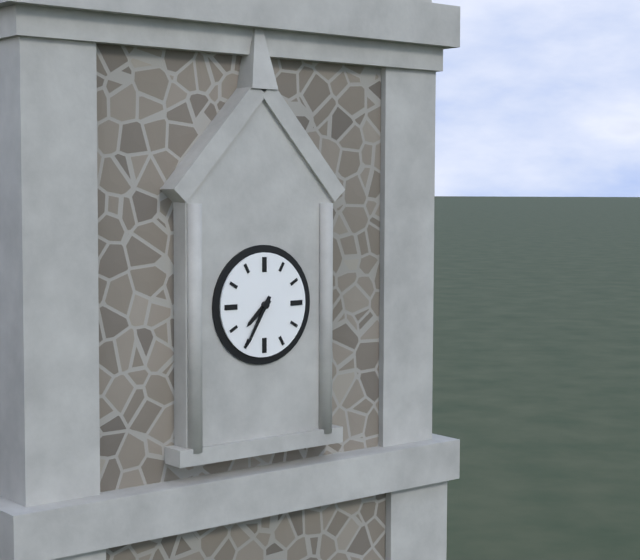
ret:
7,35
